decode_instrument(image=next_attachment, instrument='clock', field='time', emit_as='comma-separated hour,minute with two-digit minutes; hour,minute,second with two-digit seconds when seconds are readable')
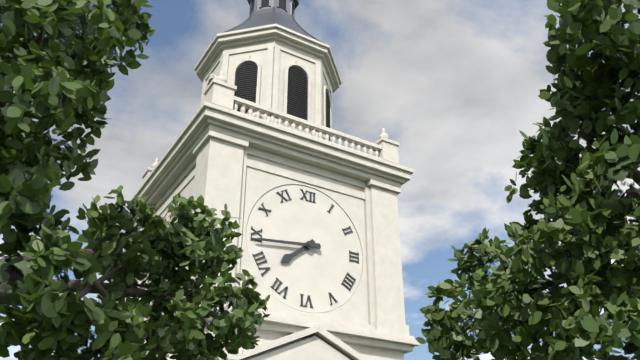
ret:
7,44
